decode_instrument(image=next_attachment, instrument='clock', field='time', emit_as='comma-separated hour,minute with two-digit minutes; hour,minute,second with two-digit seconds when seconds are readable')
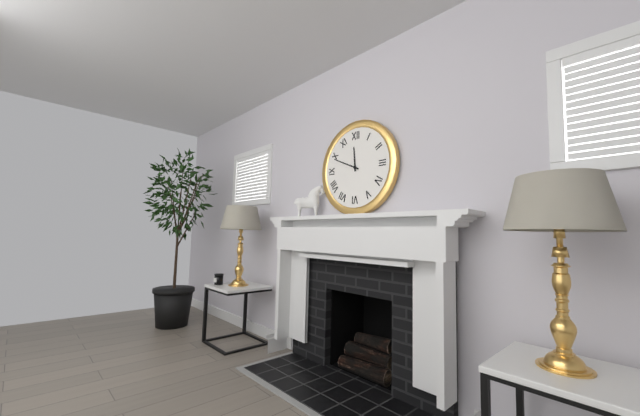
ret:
11,49
